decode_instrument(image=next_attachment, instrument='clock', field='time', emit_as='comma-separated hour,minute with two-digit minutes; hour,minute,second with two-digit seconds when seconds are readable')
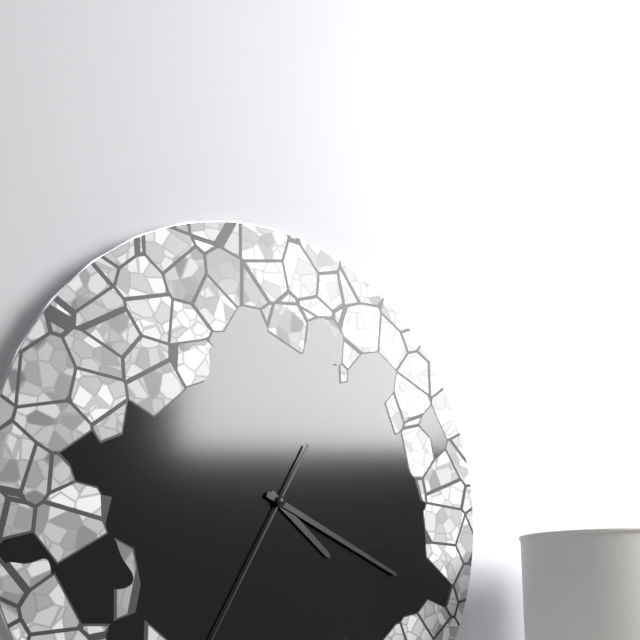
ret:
4,19
